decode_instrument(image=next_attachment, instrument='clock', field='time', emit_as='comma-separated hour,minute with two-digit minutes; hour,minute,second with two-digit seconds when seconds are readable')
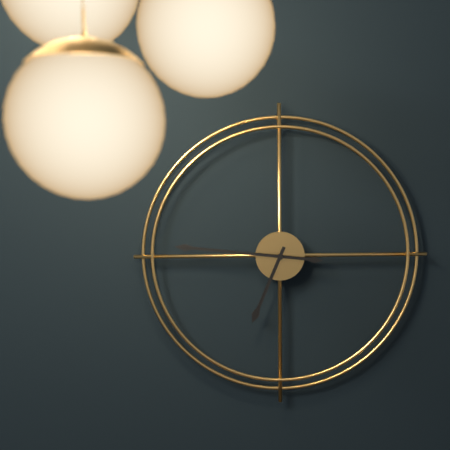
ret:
6,46
